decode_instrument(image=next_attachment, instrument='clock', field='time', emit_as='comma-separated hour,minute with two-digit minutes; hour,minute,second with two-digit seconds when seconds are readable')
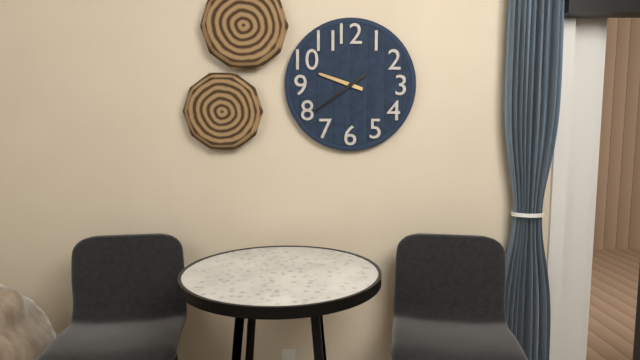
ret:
9,39
